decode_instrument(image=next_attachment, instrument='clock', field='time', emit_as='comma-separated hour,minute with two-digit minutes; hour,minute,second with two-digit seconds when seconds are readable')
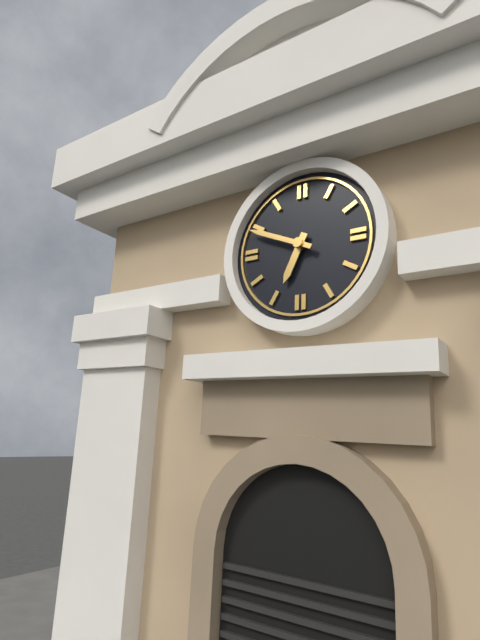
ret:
6,49
